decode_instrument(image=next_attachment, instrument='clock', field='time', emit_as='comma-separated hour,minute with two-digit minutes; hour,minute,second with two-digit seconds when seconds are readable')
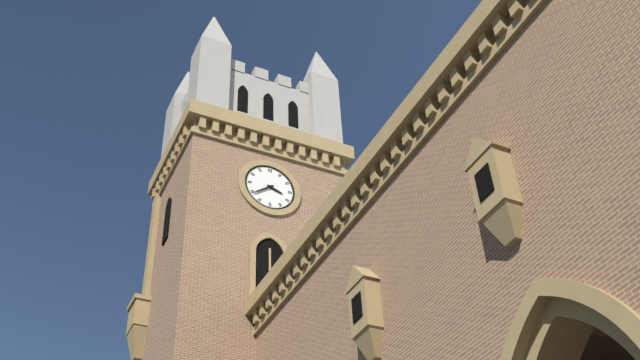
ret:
3,39
